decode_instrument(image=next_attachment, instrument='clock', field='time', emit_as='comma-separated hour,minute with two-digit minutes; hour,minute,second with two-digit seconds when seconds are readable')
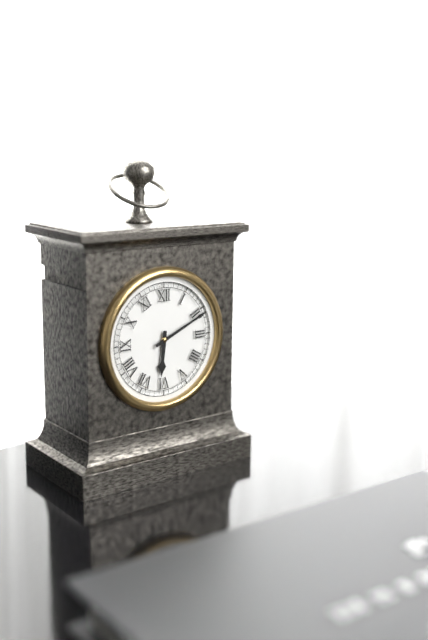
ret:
6,11
